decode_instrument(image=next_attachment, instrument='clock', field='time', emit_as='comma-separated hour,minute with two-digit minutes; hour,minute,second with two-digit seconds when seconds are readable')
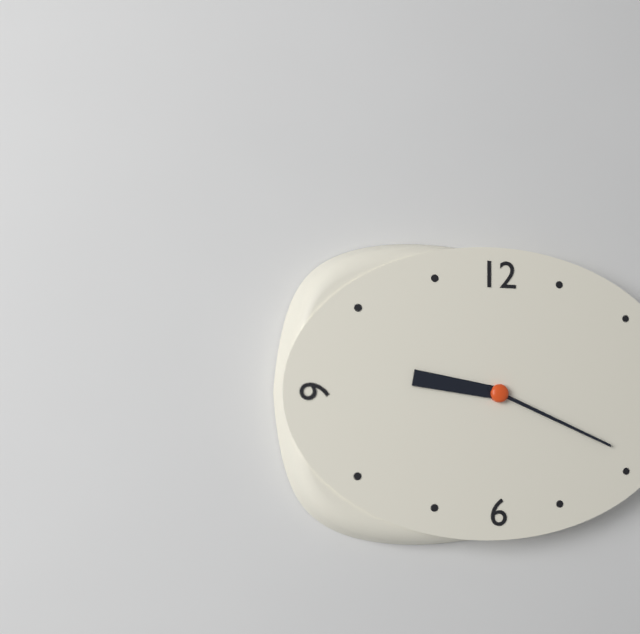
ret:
9,19
